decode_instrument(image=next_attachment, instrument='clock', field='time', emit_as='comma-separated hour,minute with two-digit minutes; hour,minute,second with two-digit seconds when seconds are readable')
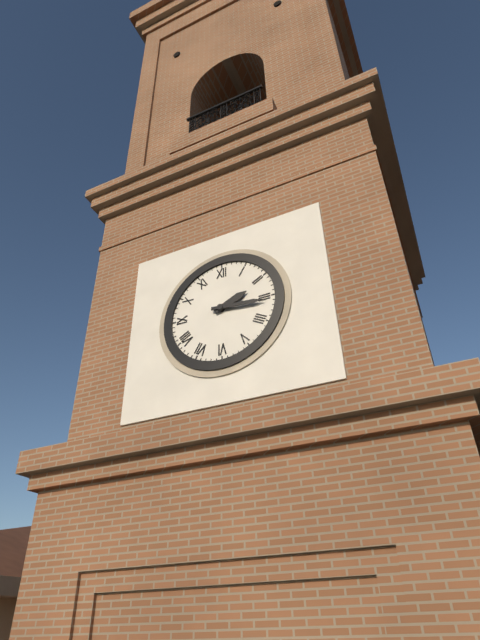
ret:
2,16
